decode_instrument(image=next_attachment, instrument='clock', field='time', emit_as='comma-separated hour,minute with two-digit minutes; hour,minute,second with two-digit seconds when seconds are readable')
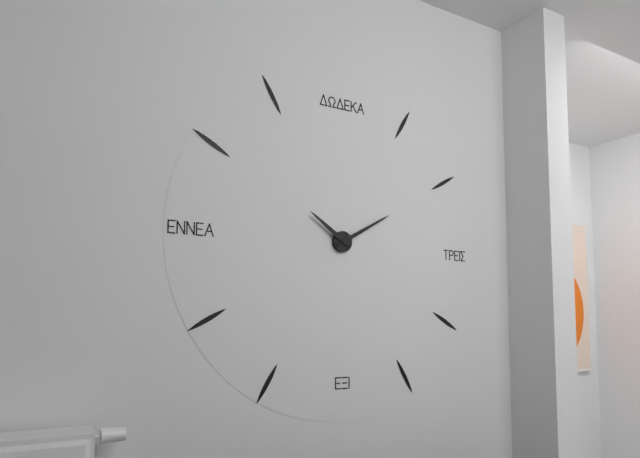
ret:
10,10
